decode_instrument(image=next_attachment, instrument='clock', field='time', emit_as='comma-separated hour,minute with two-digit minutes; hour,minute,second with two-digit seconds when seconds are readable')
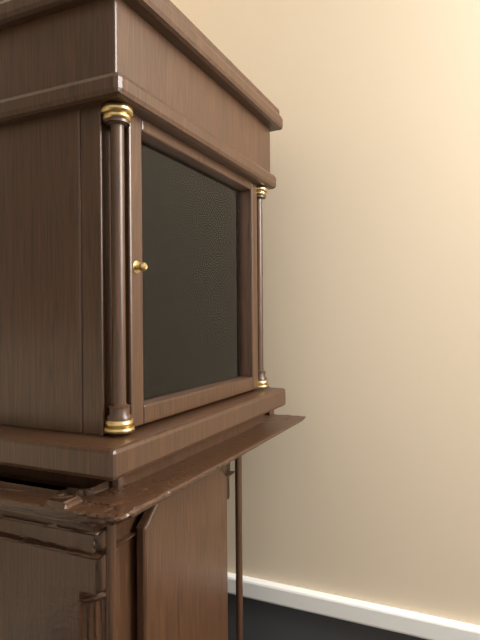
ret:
6,54
